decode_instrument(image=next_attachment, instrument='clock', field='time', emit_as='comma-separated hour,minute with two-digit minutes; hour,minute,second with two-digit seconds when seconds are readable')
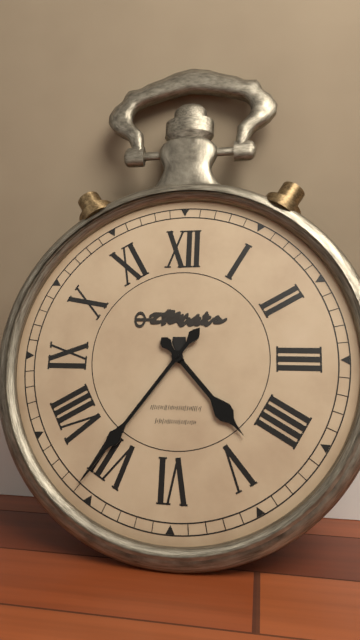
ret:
4,36
